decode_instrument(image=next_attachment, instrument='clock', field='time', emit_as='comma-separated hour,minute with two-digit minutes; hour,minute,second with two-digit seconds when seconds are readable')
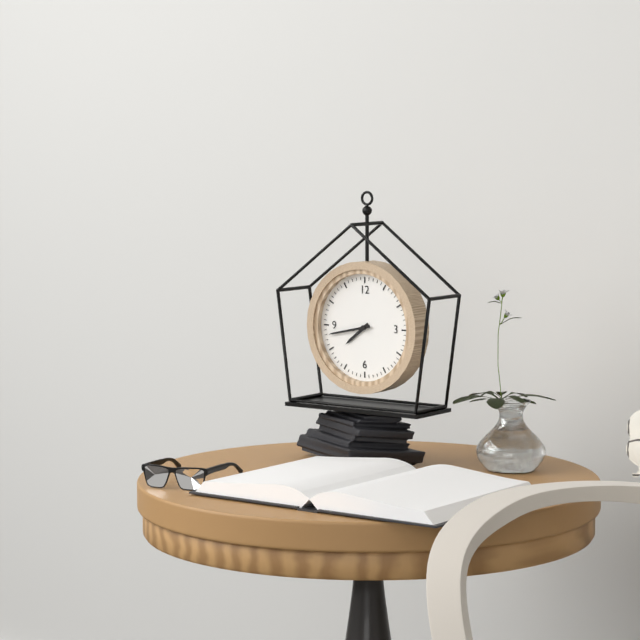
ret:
7,43
